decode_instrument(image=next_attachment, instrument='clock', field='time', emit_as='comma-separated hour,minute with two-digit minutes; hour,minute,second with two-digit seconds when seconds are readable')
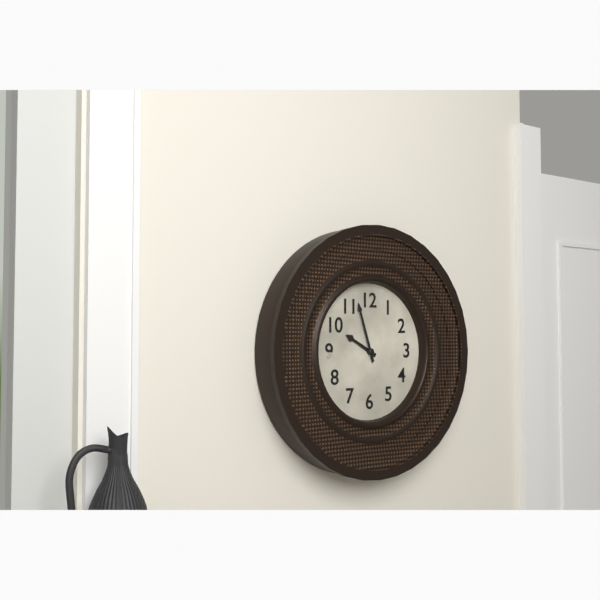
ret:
9,57
